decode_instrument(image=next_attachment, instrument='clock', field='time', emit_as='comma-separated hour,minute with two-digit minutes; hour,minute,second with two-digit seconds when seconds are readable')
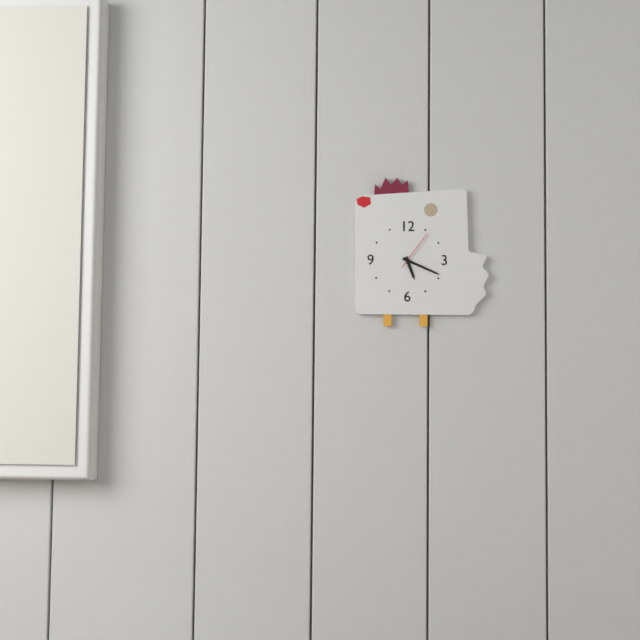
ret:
5,19
